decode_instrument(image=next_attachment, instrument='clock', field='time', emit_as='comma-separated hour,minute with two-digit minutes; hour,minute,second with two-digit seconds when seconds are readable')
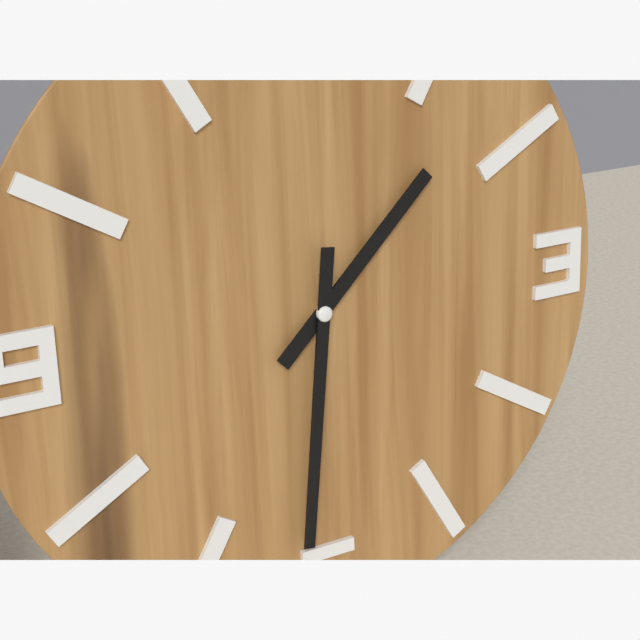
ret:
1,31
